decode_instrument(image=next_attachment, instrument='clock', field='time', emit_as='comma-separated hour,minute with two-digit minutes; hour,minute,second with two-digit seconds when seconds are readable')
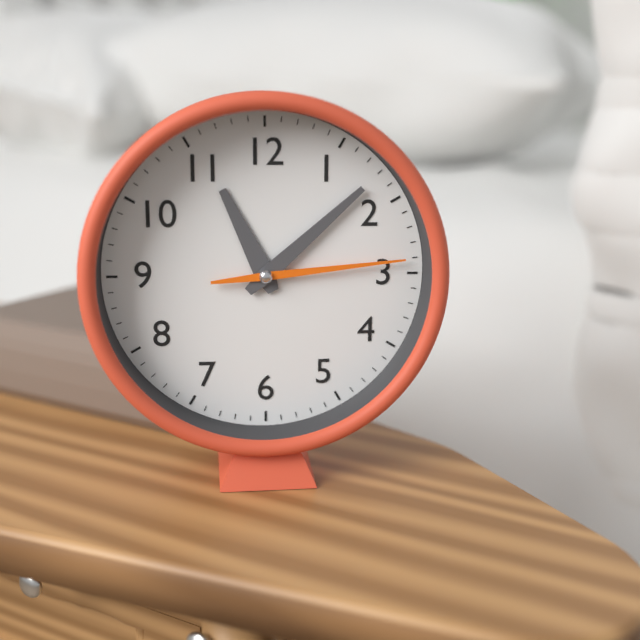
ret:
11,08,14
